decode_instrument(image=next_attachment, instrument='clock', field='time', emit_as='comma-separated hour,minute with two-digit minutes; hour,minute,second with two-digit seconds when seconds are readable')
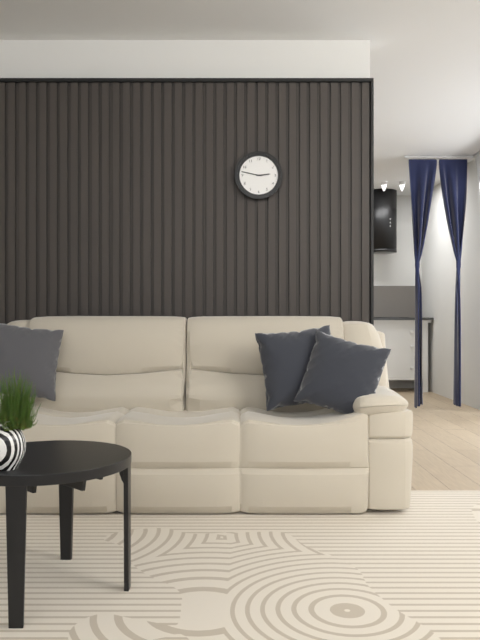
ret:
2,47
